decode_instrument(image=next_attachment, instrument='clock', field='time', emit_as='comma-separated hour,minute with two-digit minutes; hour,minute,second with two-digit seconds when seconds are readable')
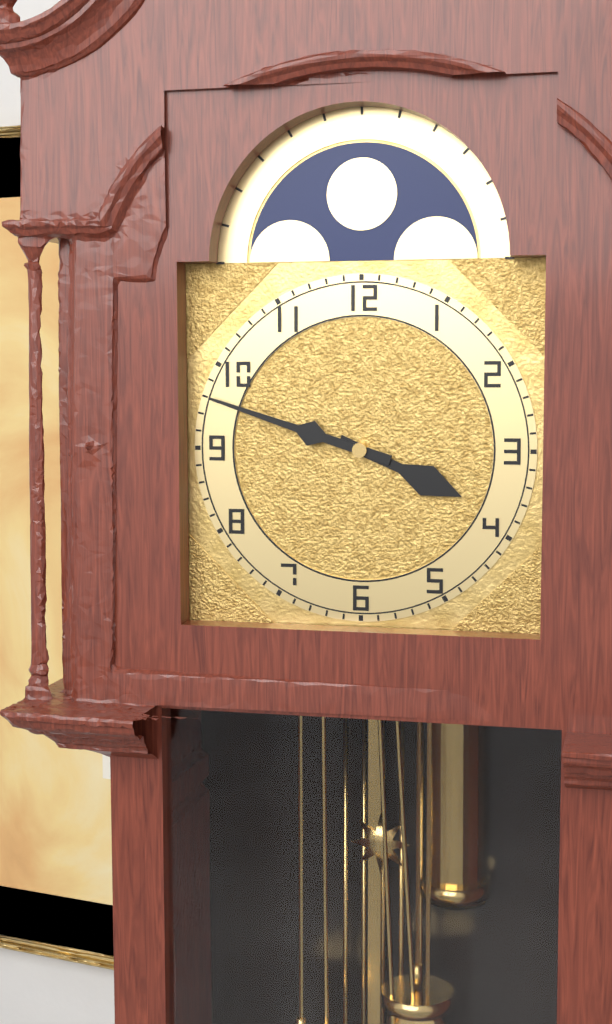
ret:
3,48
